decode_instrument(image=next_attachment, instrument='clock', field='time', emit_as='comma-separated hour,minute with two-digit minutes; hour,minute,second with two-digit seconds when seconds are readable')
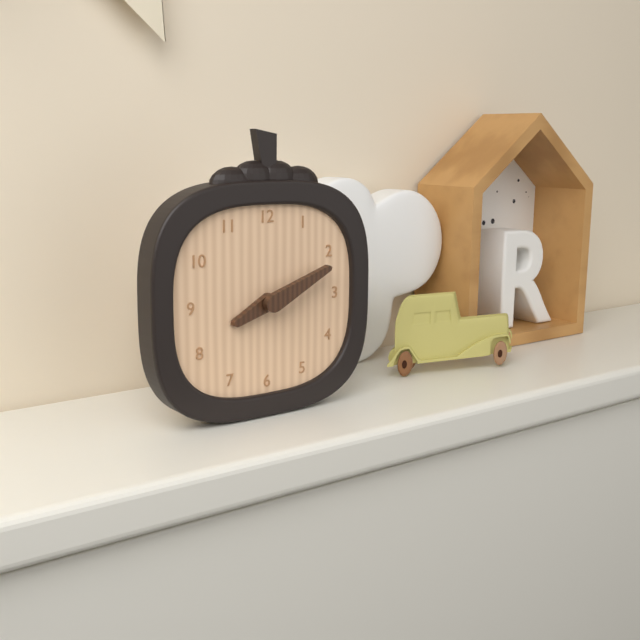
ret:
8,11
